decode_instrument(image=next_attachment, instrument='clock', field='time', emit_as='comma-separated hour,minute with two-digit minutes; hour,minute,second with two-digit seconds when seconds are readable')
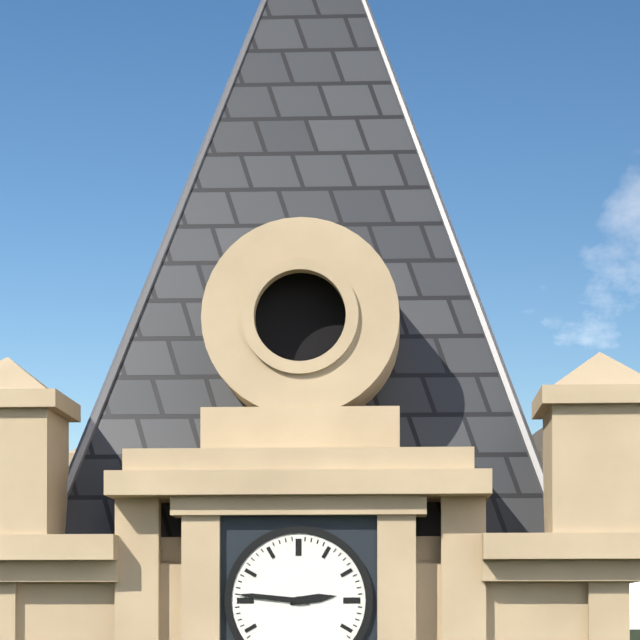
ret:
2,46
